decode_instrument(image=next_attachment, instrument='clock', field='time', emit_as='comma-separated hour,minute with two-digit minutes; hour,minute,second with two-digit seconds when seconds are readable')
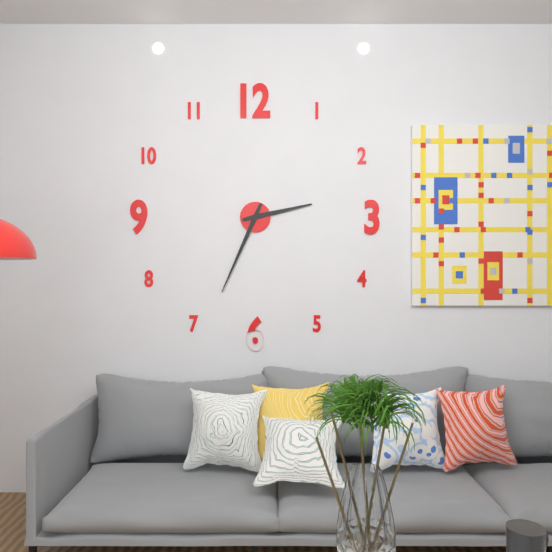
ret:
2,34
